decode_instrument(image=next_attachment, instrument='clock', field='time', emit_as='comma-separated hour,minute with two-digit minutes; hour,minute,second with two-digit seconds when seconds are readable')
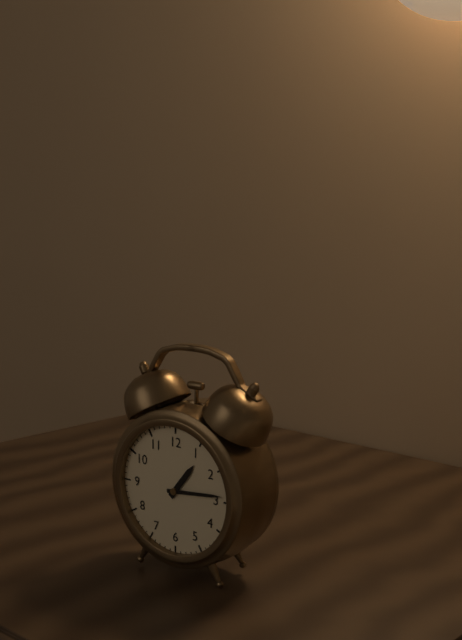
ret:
1,14
